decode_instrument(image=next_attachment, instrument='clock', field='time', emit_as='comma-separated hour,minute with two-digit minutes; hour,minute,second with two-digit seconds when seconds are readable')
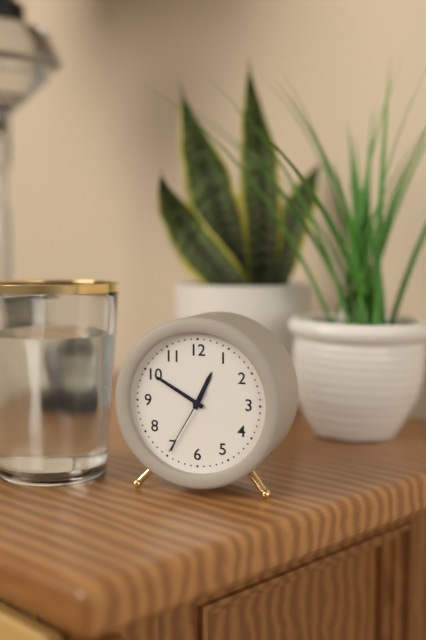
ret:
12,50,35
